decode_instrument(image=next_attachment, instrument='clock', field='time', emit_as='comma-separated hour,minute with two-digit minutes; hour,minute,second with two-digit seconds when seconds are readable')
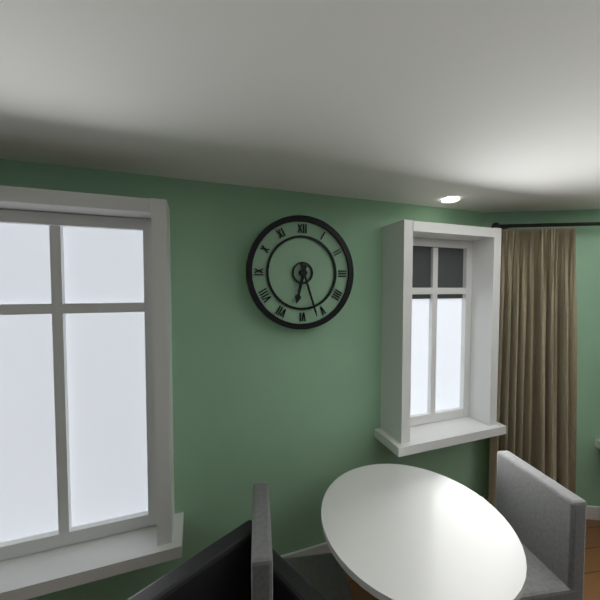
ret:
6,27
